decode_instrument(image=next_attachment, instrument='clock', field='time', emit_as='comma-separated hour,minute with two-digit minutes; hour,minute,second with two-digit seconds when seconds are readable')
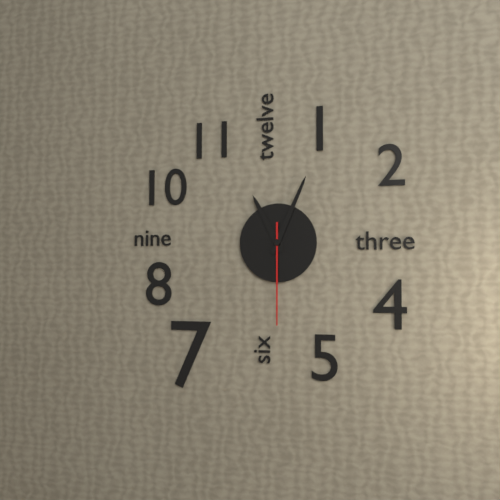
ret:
11,04,30
